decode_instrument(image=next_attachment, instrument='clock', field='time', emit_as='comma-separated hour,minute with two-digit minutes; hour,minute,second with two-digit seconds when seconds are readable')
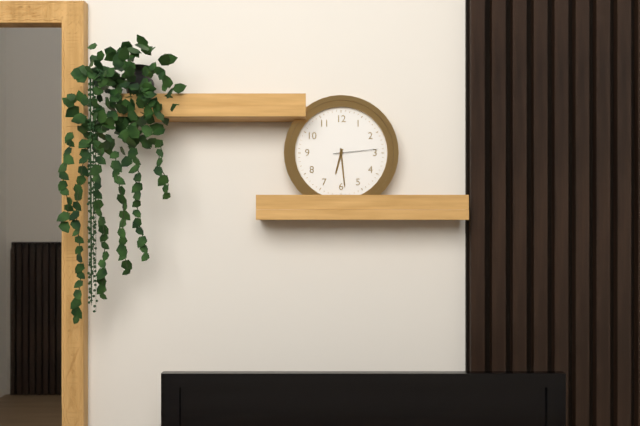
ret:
6,29
